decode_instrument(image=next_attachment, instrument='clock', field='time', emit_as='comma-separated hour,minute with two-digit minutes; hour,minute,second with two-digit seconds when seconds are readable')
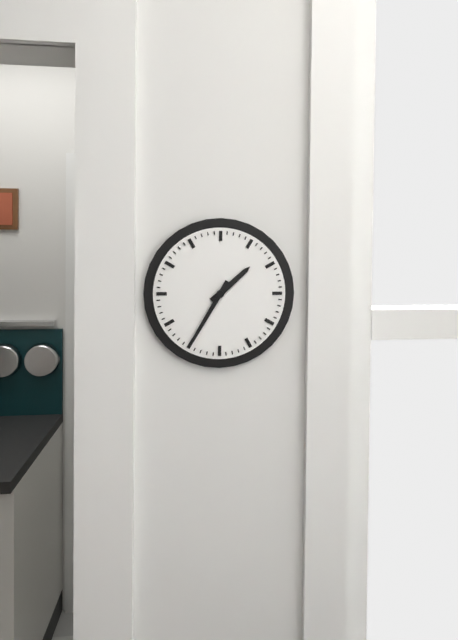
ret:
1,35
